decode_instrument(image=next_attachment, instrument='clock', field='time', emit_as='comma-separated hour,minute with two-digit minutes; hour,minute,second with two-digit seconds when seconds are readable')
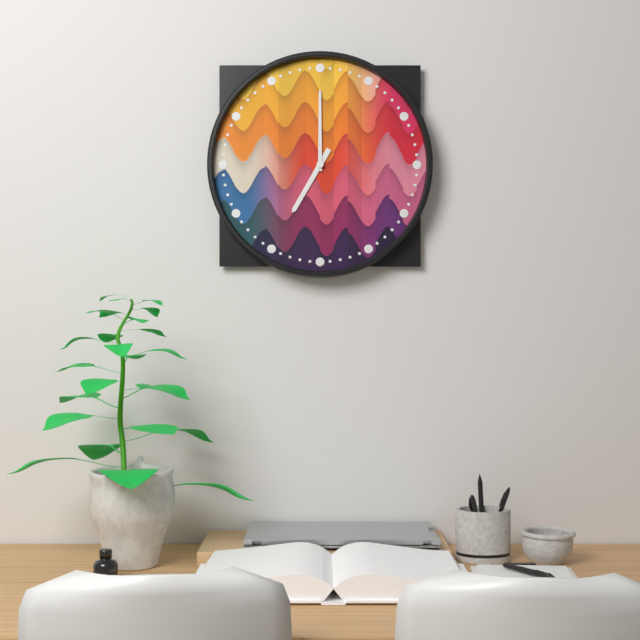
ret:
7,00
